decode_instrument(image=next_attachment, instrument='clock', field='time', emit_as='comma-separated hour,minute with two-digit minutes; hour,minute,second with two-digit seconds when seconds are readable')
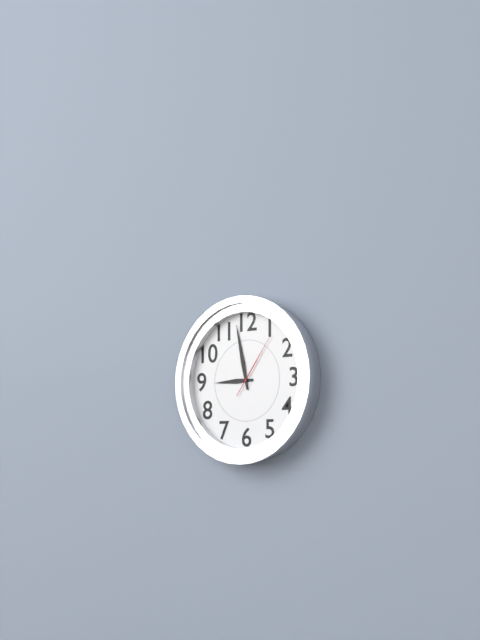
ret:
8,58,06
